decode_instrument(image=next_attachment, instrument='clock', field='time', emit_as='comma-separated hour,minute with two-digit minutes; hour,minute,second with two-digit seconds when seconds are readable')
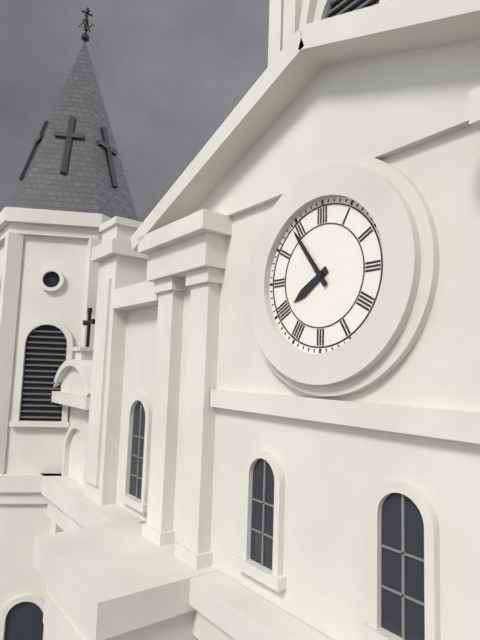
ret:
7,54
